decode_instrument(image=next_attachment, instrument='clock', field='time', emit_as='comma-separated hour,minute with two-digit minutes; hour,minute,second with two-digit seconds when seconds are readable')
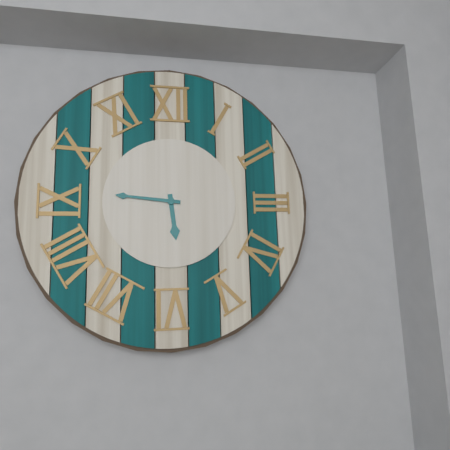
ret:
5,46
